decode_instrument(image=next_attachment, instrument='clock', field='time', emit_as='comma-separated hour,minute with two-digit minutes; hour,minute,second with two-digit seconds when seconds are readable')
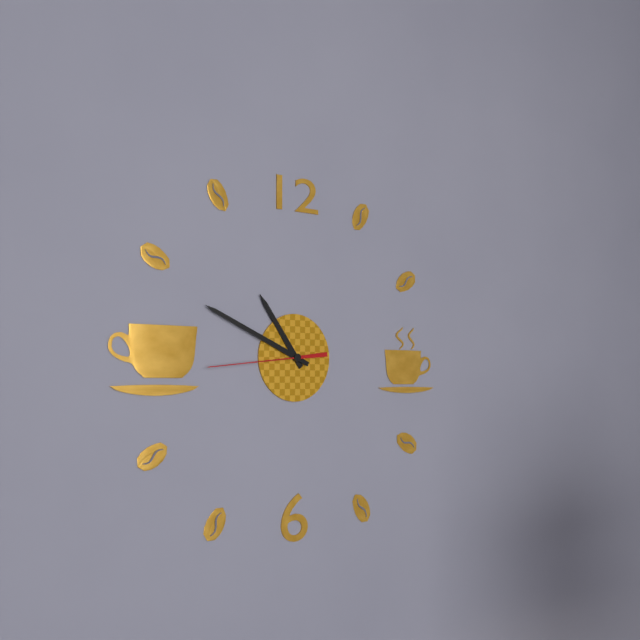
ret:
10,49,44
